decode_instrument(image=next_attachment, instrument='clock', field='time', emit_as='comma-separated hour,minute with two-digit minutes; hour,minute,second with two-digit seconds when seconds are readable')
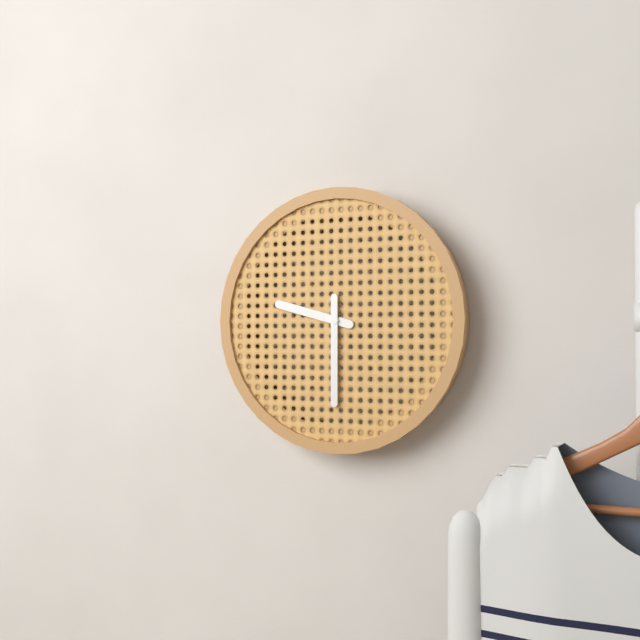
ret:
9,30
